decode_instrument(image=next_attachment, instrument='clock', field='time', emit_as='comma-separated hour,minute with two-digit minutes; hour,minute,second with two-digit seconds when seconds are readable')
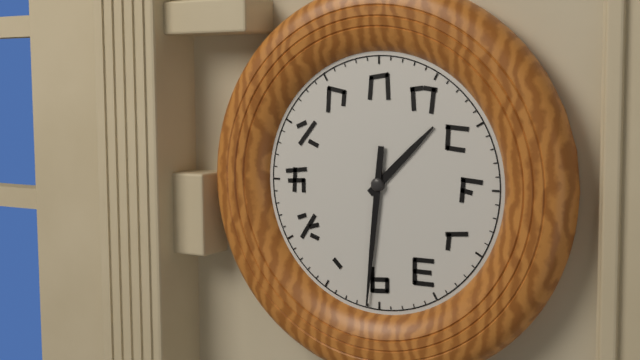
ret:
1,31
